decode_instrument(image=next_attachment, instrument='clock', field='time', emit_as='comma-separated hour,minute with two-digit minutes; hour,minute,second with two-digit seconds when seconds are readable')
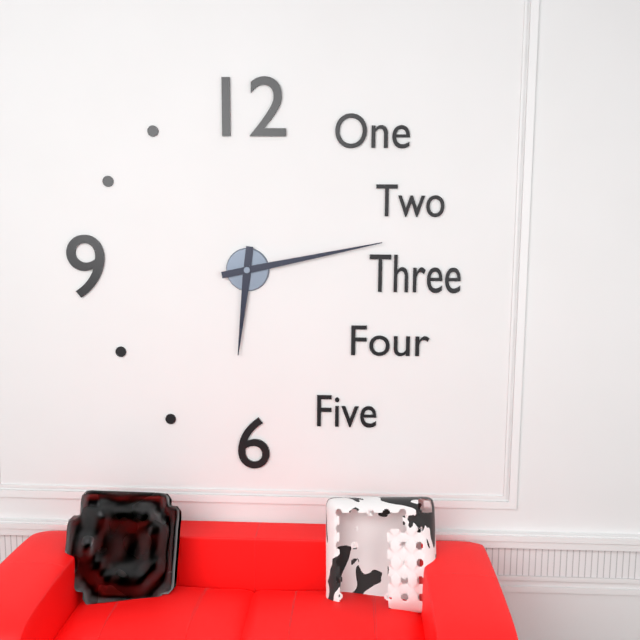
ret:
6,13
